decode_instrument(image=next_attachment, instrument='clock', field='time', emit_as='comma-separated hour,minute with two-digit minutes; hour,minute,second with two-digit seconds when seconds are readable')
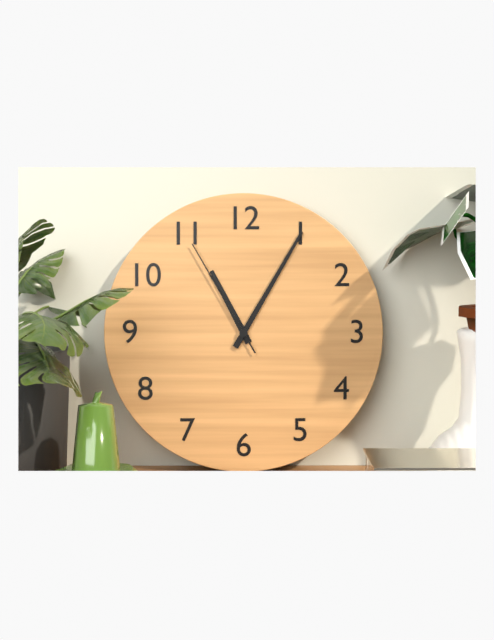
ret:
11,05,55
